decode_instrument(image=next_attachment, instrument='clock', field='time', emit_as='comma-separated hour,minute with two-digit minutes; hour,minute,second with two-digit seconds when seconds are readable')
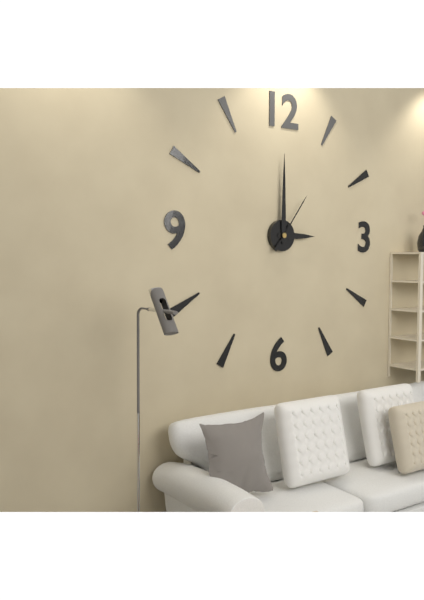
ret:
3,00,06
